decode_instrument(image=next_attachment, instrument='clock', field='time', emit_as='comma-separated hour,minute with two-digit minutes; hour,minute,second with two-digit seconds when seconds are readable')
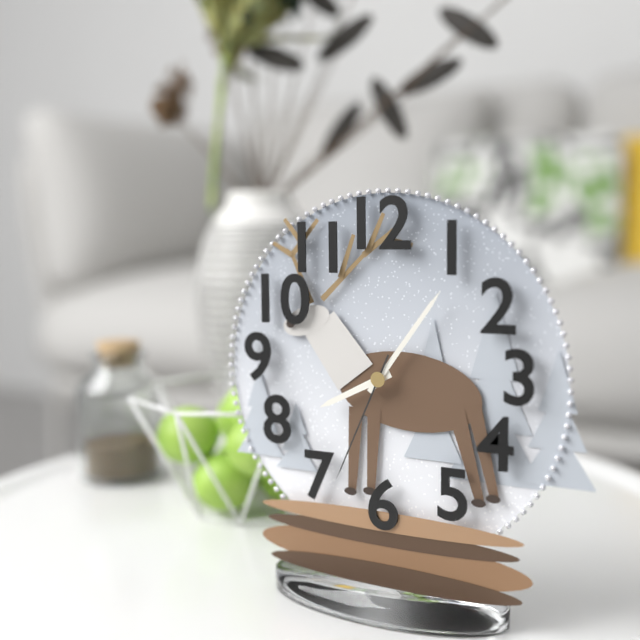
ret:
8,06,34
